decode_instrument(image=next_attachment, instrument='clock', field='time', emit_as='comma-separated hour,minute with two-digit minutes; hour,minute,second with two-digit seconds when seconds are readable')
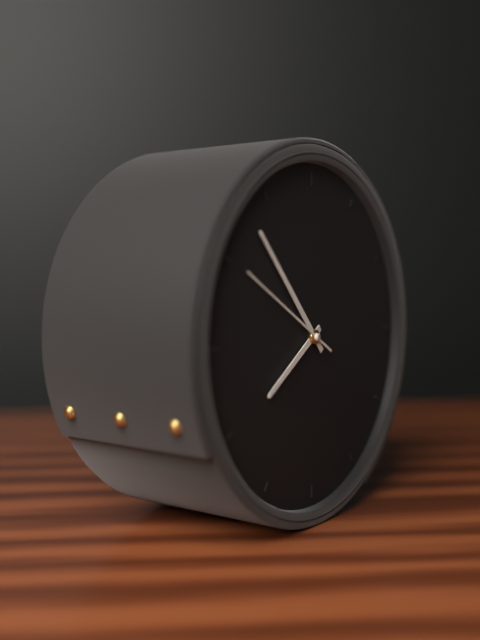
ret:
7,53,50
